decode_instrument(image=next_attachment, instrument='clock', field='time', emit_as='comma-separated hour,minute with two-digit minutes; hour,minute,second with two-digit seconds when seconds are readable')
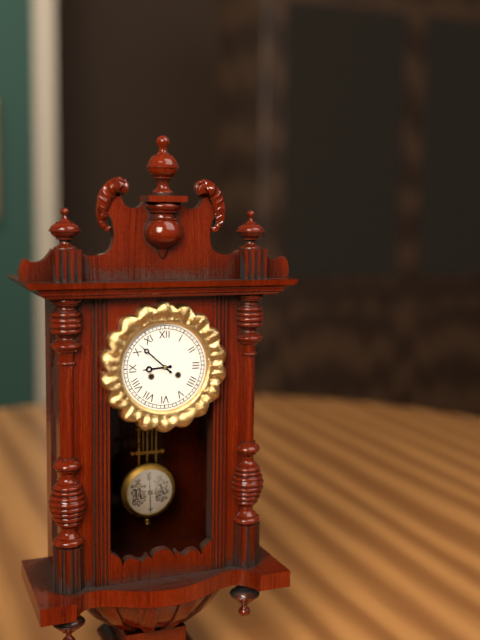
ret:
8,52
